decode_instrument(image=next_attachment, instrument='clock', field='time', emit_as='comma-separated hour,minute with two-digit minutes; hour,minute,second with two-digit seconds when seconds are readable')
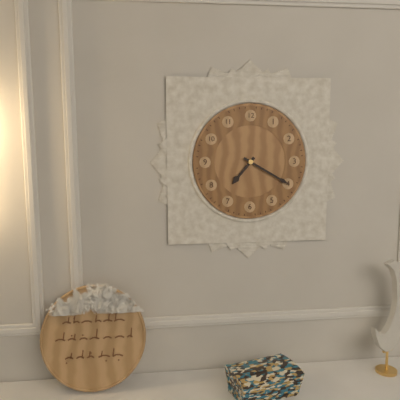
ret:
7,20
